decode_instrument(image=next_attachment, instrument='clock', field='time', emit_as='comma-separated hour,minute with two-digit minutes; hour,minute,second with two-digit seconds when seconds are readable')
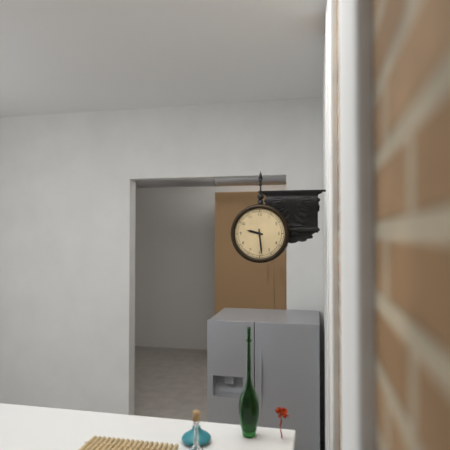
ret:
9,29
